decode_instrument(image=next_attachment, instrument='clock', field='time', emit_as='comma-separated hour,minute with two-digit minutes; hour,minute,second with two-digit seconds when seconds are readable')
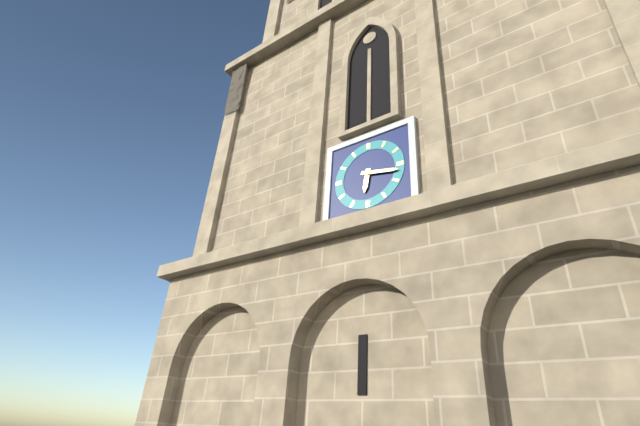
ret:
6,17
